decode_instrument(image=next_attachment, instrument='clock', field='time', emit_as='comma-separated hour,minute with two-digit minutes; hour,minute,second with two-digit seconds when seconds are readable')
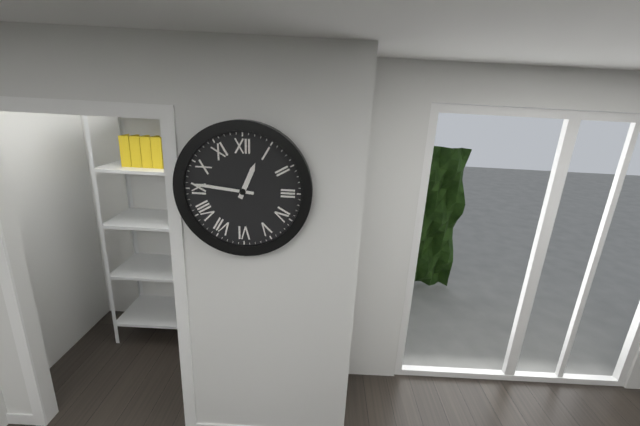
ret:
12,46
